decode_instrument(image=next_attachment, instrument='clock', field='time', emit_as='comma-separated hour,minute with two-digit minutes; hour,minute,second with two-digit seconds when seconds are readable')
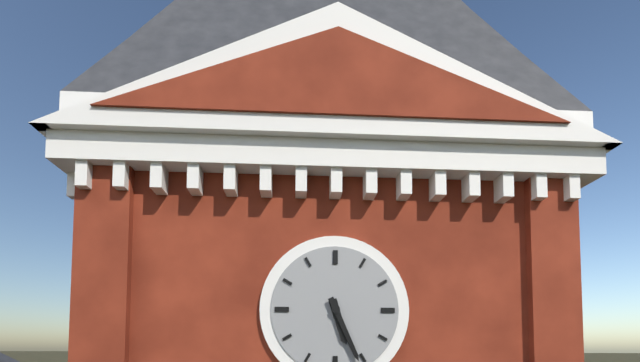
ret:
5,26
